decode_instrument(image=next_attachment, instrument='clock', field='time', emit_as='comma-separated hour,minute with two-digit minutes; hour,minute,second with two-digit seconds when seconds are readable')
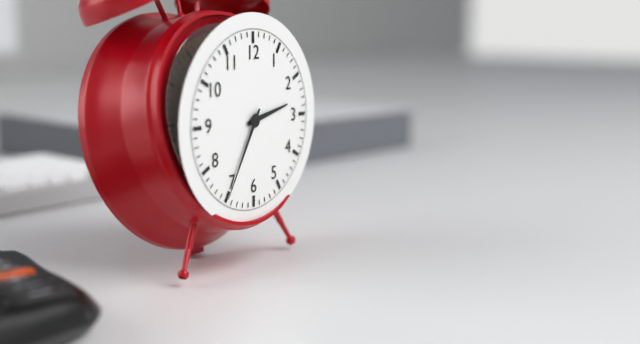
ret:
2,35
